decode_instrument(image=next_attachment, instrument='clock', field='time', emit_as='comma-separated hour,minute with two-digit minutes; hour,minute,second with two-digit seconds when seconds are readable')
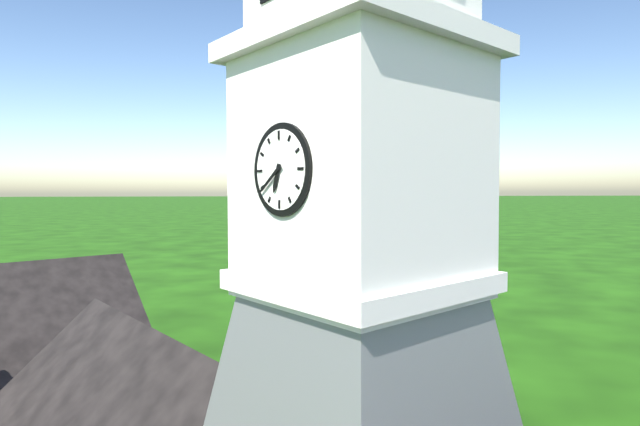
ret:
6,39
